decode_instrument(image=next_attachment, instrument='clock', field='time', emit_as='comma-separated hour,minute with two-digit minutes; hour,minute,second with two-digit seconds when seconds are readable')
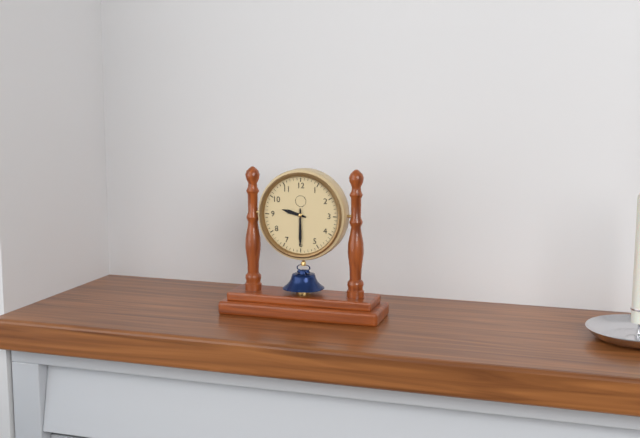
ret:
9,30
